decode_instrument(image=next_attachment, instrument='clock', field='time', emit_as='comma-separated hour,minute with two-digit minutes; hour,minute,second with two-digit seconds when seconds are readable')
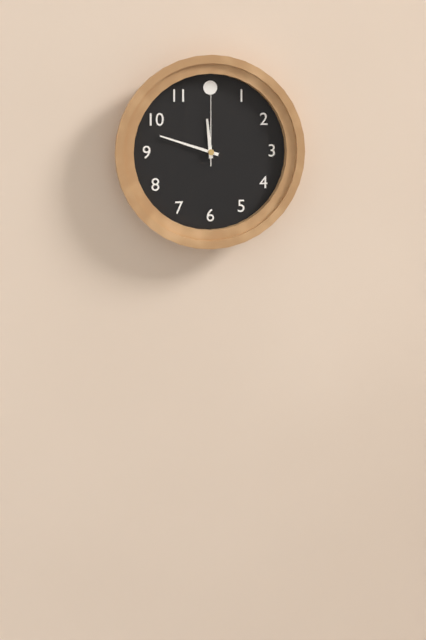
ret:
11,48,00
